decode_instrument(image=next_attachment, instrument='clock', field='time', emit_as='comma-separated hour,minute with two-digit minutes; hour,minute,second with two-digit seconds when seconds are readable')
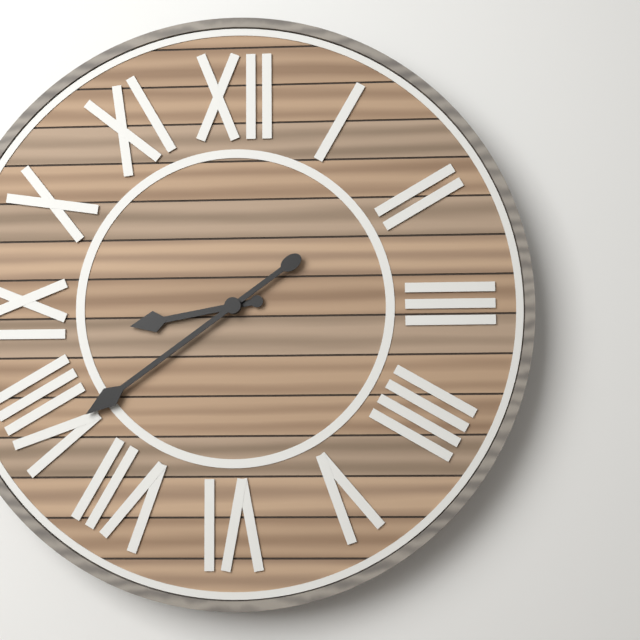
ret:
8,39
